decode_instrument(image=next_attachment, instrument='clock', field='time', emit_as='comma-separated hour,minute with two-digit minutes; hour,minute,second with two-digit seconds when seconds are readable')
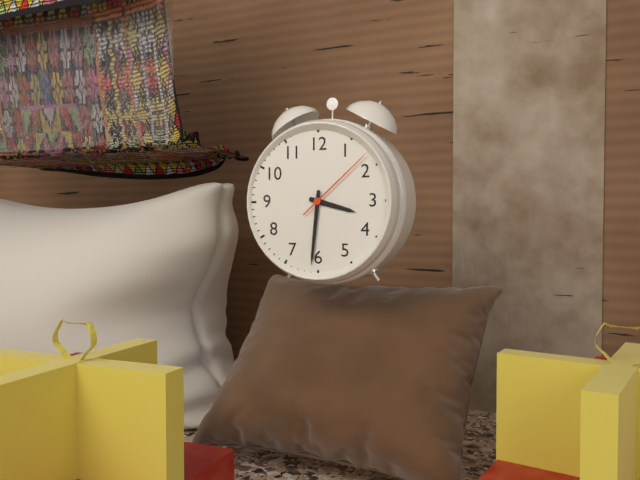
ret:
3,31,08
